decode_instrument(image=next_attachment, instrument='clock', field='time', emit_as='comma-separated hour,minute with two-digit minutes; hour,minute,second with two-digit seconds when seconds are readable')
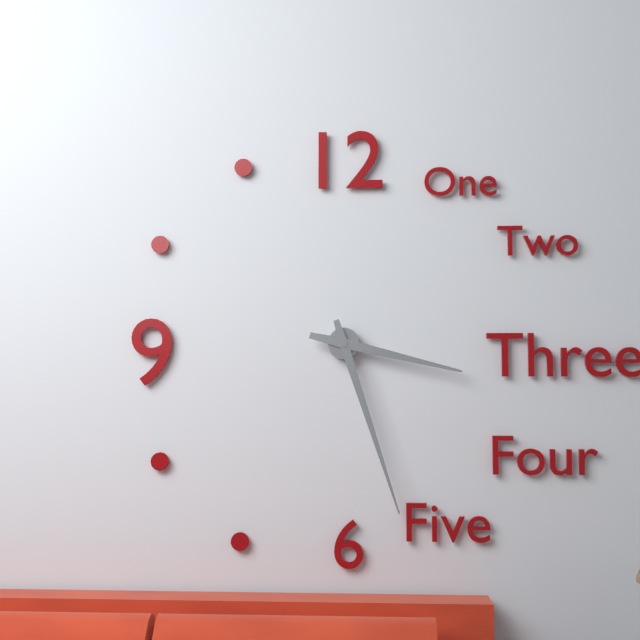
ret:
3,27
